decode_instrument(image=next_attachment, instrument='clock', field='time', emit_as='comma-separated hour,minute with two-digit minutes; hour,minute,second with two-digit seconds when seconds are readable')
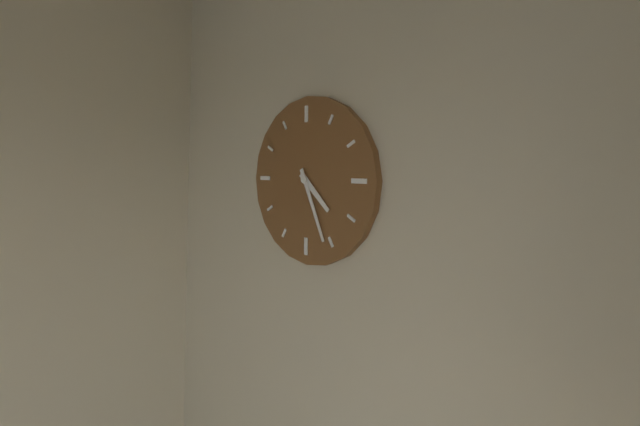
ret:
4,26
